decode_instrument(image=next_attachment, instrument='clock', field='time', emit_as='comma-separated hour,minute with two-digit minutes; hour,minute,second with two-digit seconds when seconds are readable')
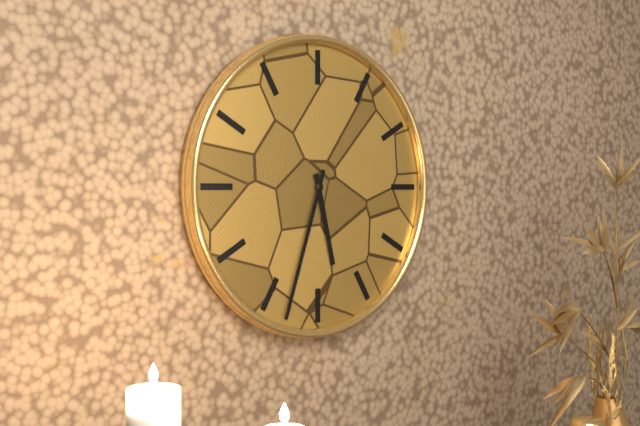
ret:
5,33
